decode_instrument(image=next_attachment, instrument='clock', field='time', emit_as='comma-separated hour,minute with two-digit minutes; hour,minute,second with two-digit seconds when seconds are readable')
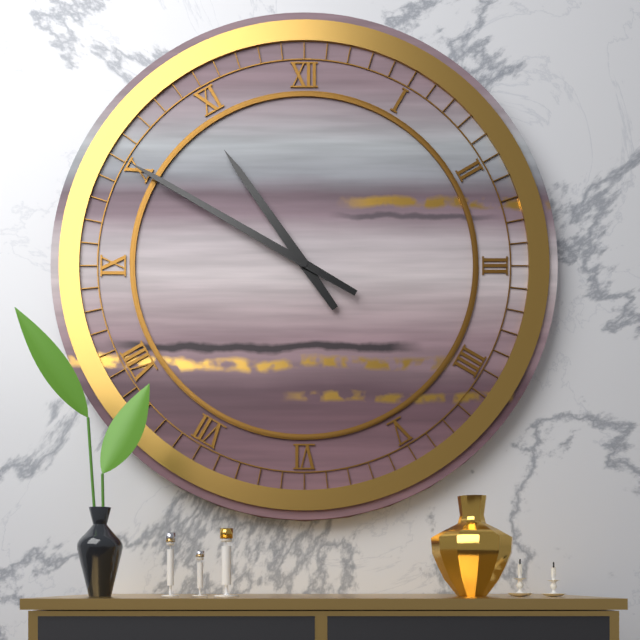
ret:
10,50
